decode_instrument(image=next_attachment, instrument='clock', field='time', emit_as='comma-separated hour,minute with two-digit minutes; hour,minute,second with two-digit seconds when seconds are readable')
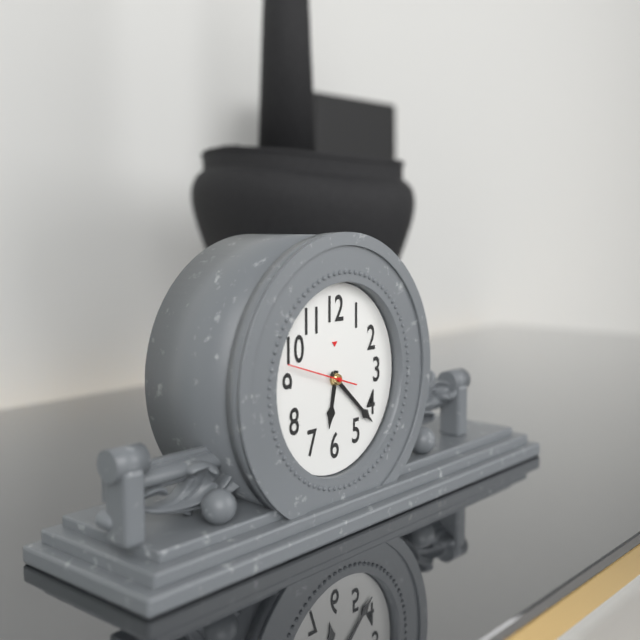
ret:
6,22,48
